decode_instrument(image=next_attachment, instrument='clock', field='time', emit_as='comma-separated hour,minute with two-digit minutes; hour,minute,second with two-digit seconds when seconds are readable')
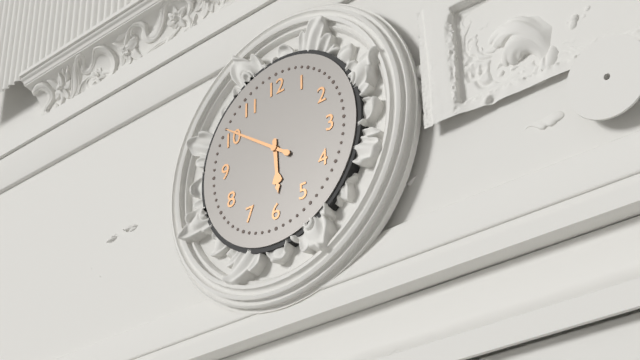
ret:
5,51
